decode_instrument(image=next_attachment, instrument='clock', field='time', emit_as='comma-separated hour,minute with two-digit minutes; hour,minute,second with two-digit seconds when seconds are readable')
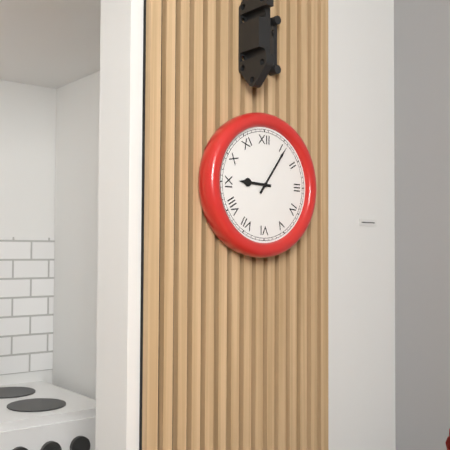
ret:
9,06
